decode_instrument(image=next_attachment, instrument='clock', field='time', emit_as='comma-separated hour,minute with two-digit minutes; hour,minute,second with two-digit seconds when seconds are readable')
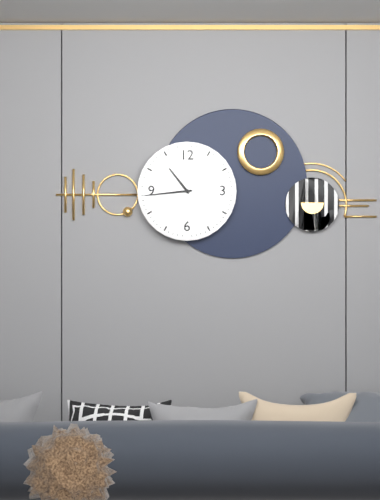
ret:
10,44
